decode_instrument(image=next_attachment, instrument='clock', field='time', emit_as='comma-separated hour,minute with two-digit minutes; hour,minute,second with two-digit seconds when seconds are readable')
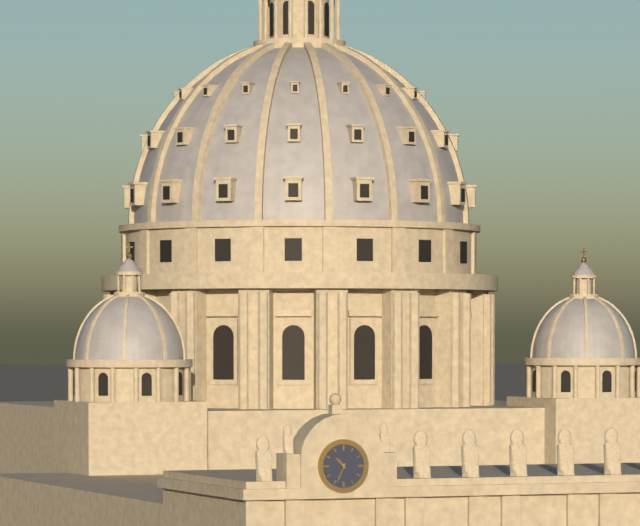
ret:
10,34
